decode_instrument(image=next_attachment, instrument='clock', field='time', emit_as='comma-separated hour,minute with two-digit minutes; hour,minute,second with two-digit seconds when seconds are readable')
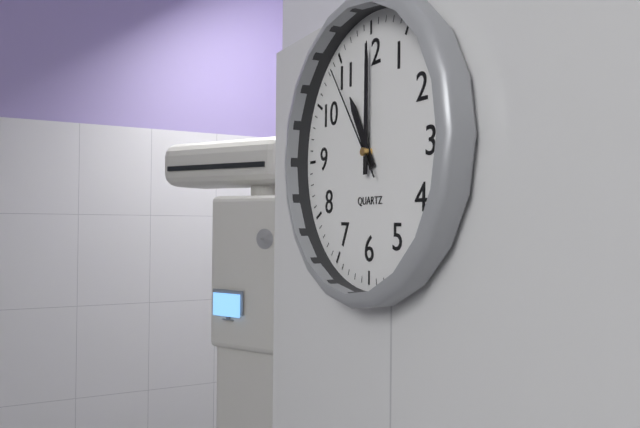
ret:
11,00,54
